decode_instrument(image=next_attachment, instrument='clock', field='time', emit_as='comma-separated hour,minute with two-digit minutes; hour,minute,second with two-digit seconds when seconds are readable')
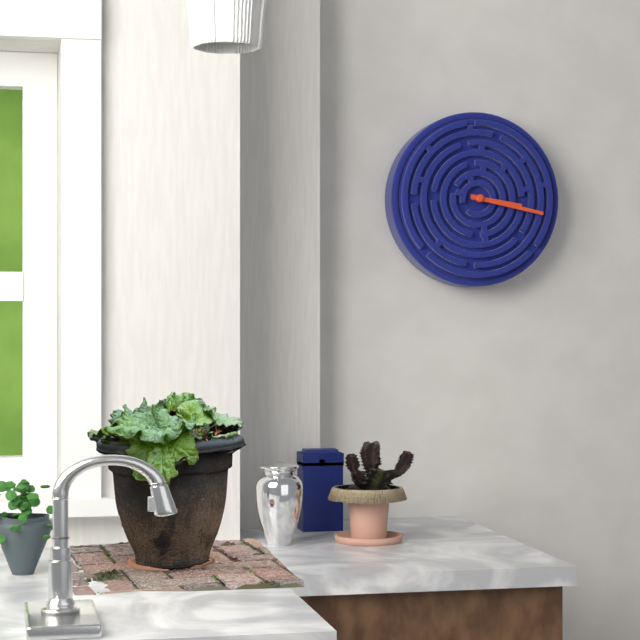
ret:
3,17
